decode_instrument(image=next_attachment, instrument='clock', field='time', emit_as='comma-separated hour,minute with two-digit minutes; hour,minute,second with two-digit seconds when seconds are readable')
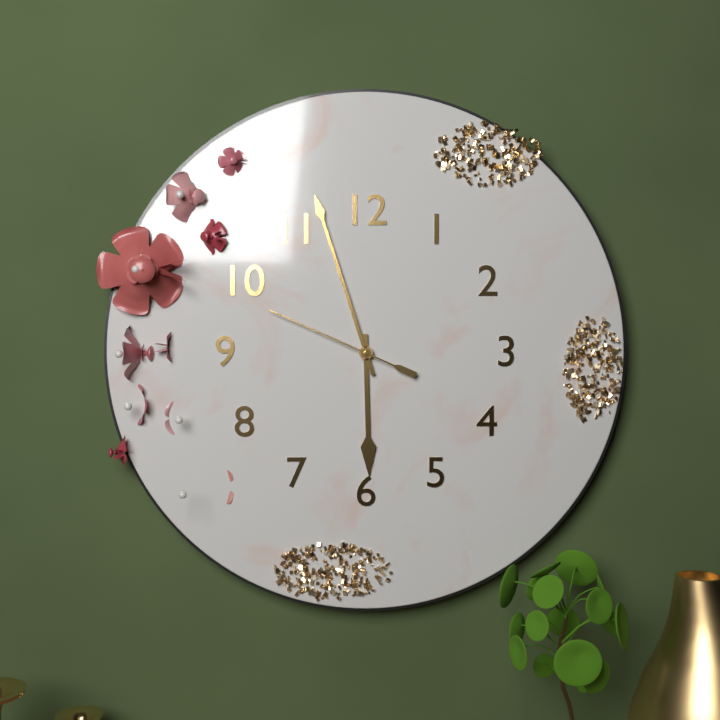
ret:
5,57,49
